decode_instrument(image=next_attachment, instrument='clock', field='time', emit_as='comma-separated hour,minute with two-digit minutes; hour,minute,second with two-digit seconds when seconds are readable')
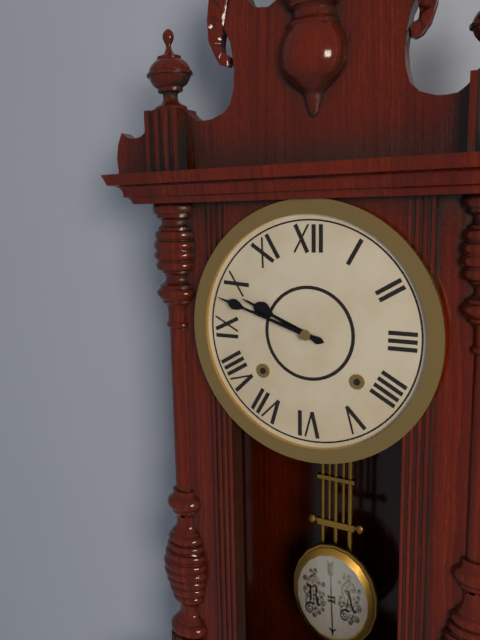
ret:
9,48
